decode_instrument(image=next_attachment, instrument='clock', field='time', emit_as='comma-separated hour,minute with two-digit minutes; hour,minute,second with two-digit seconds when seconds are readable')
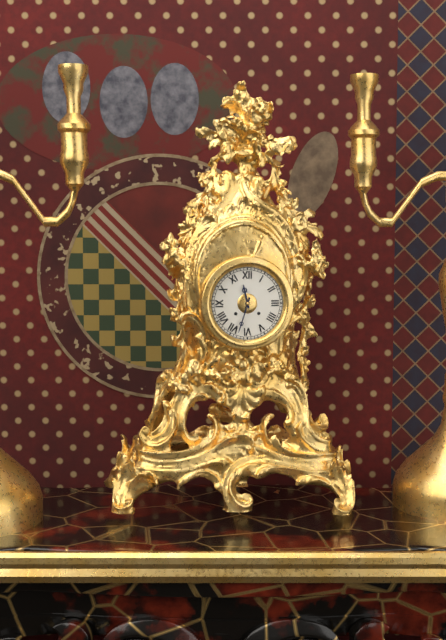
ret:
11,33
